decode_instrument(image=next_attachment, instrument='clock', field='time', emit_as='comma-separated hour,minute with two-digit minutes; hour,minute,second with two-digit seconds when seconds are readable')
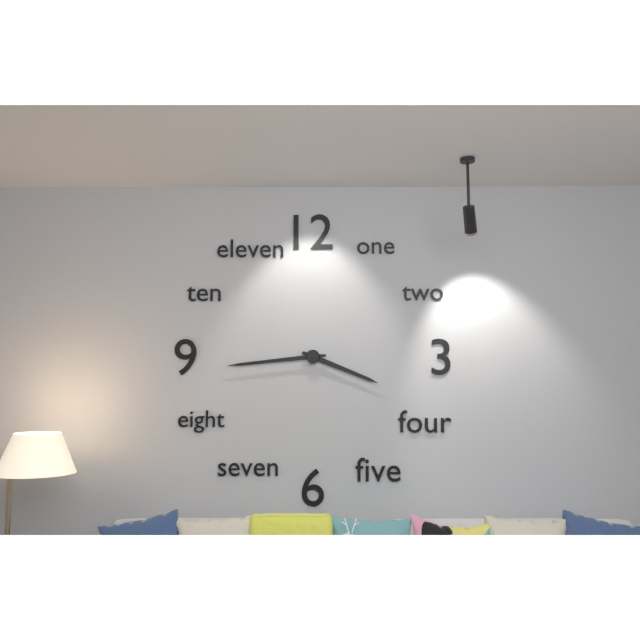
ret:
3,44
